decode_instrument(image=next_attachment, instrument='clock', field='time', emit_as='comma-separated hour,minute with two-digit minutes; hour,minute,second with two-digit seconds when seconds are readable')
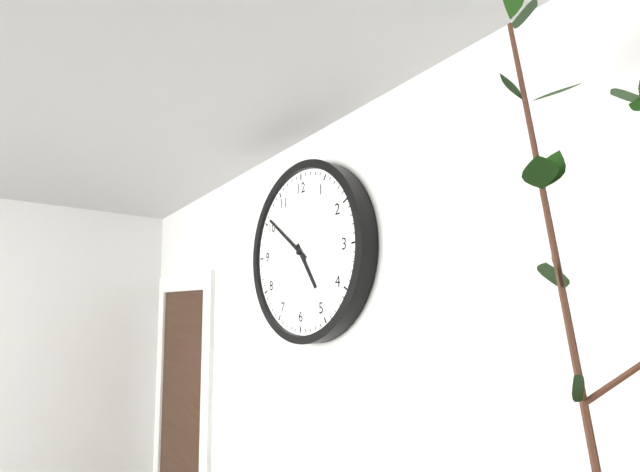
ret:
4,51
